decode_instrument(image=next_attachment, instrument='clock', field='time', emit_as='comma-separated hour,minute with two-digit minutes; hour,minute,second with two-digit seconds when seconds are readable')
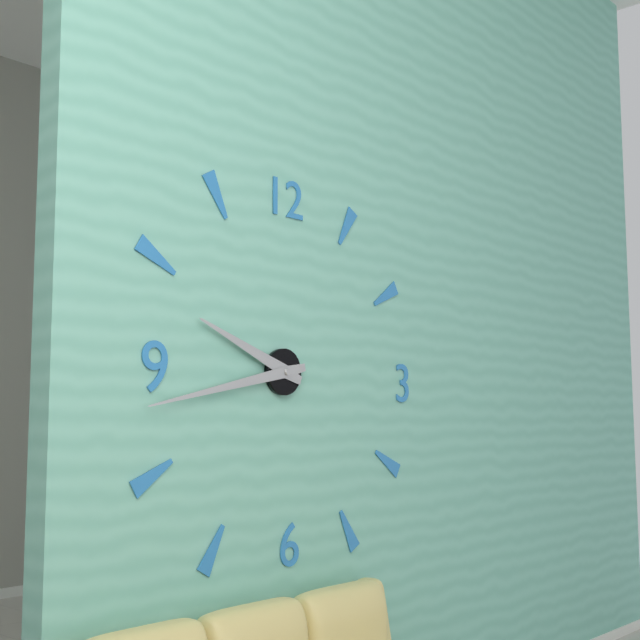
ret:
9,43
